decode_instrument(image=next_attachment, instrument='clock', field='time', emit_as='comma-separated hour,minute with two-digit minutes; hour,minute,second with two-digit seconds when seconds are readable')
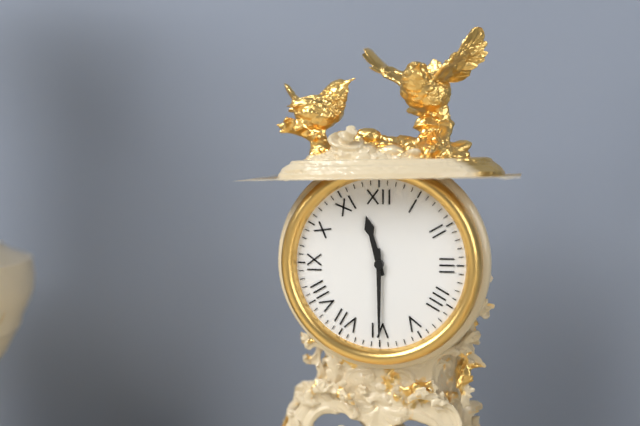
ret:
11,30
